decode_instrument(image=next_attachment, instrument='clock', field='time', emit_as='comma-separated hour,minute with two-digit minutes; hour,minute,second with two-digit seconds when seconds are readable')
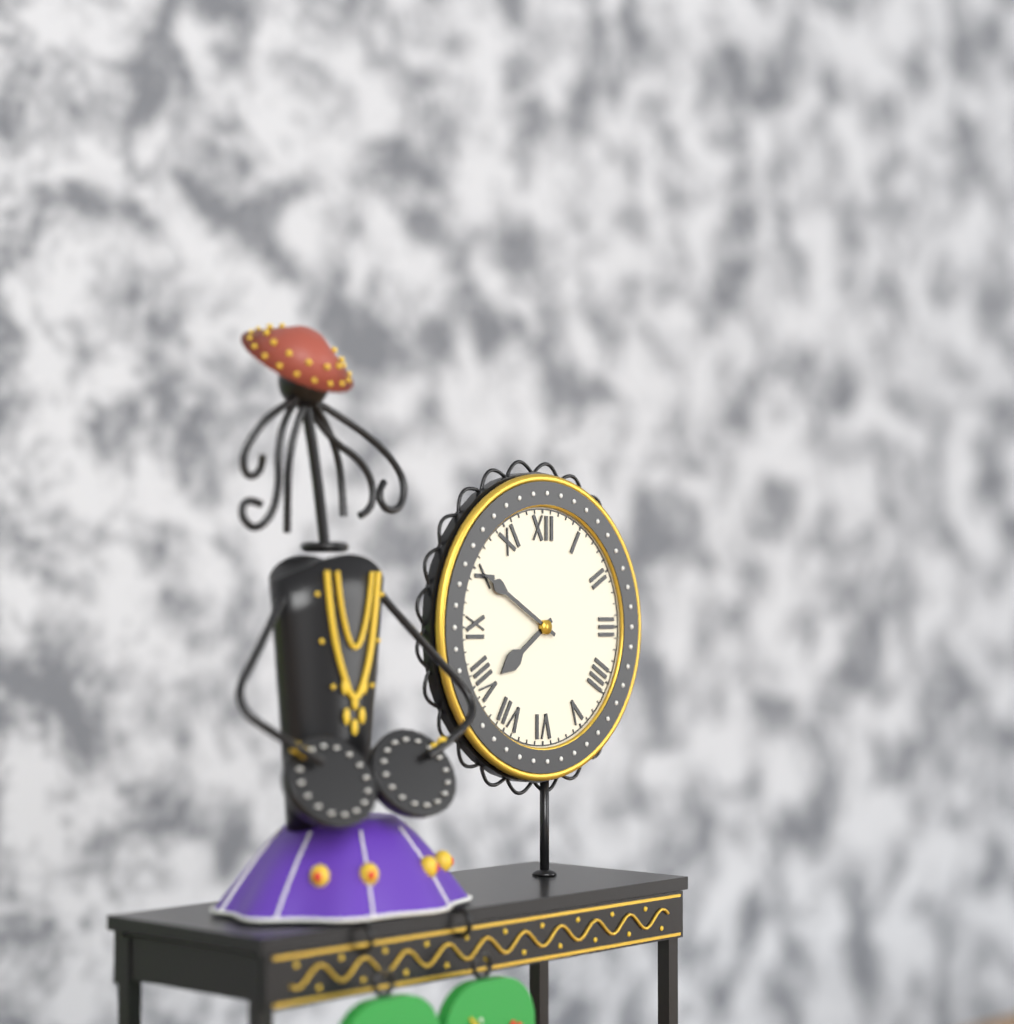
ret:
7,50
